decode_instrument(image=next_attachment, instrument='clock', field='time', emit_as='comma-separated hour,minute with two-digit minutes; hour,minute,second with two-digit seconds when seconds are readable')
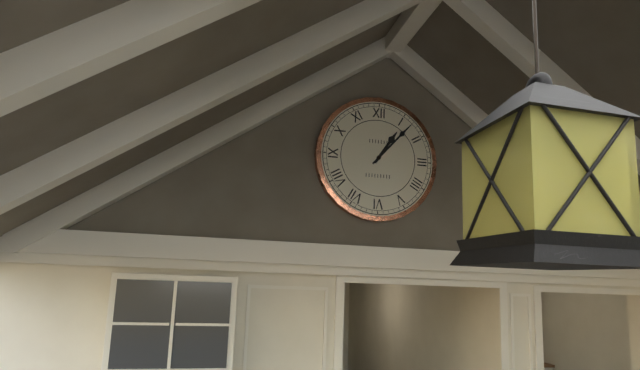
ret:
1,07
